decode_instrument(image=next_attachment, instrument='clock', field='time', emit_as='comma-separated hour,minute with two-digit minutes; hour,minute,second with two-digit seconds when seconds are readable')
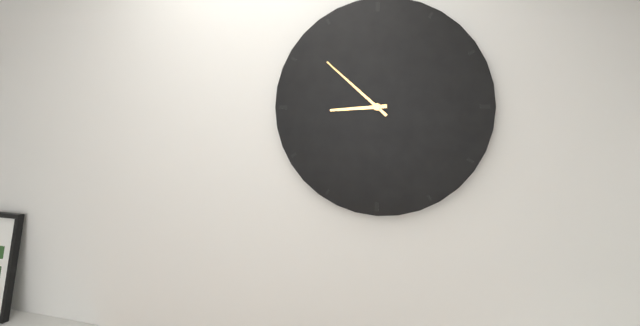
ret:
8,52
